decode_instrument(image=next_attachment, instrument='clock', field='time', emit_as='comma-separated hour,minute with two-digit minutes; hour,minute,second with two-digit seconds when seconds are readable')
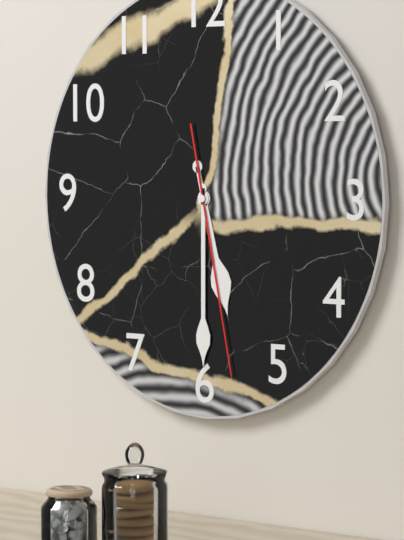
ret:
5,30,28
